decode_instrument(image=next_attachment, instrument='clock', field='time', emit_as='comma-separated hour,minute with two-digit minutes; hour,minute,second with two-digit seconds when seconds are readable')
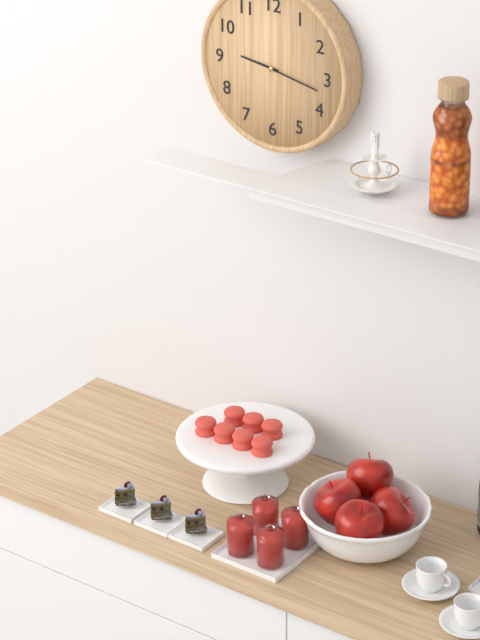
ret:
9,17
